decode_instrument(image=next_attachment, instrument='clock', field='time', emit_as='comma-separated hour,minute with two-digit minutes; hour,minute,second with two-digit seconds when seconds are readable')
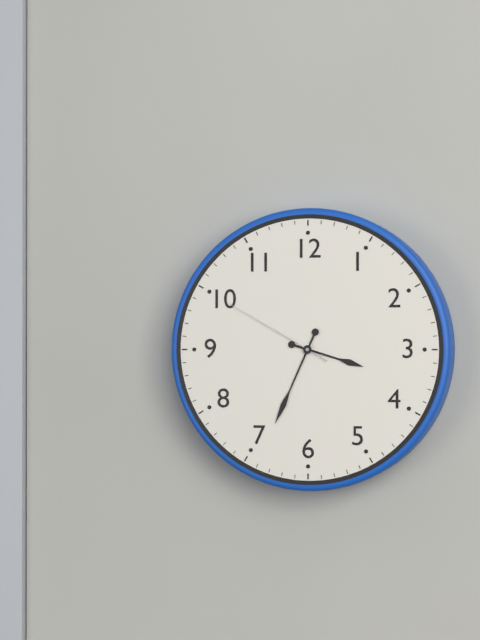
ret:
3,34,50
